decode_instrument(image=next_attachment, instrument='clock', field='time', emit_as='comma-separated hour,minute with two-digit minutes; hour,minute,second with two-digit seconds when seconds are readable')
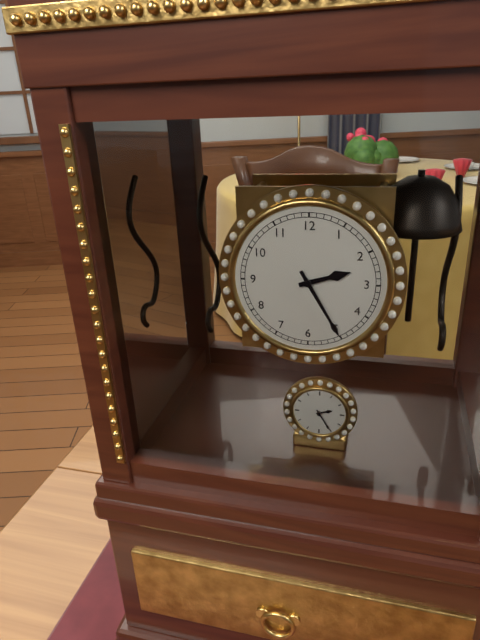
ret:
2,25
